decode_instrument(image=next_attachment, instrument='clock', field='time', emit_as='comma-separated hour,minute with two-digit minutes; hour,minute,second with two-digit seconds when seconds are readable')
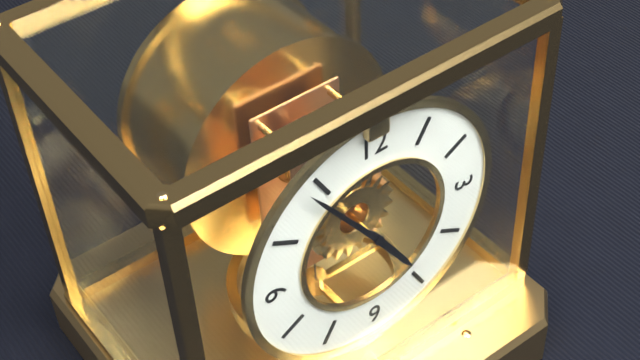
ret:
4,54
